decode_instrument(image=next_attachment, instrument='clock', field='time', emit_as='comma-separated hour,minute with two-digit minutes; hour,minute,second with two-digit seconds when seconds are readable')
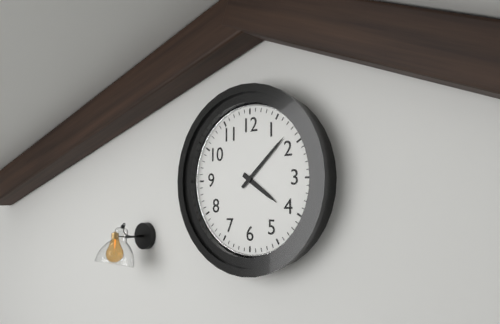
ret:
4,08
